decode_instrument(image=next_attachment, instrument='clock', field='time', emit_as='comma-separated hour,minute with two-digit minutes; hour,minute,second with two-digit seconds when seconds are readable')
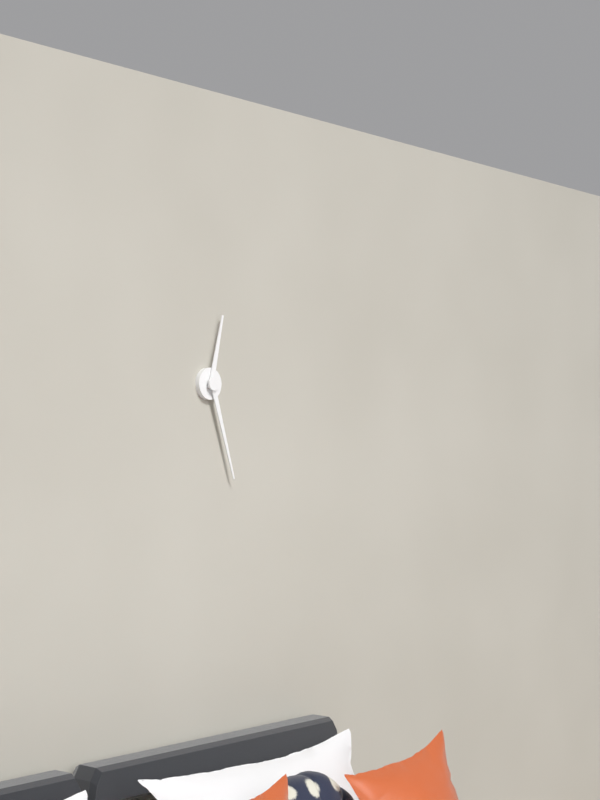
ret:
12,27
